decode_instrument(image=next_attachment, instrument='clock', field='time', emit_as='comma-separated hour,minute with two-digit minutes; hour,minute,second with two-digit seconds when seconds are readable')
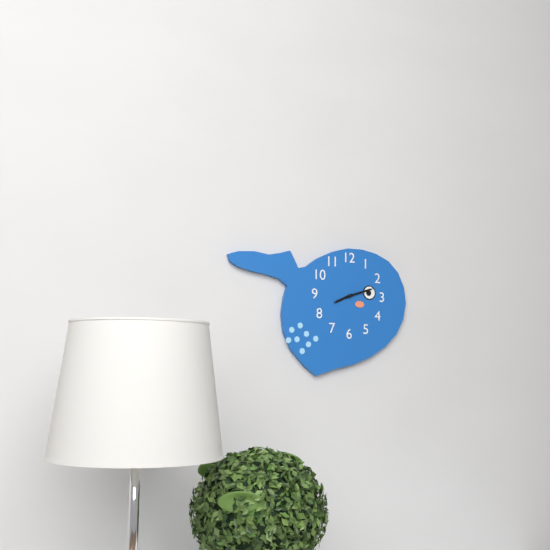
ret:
8,12
